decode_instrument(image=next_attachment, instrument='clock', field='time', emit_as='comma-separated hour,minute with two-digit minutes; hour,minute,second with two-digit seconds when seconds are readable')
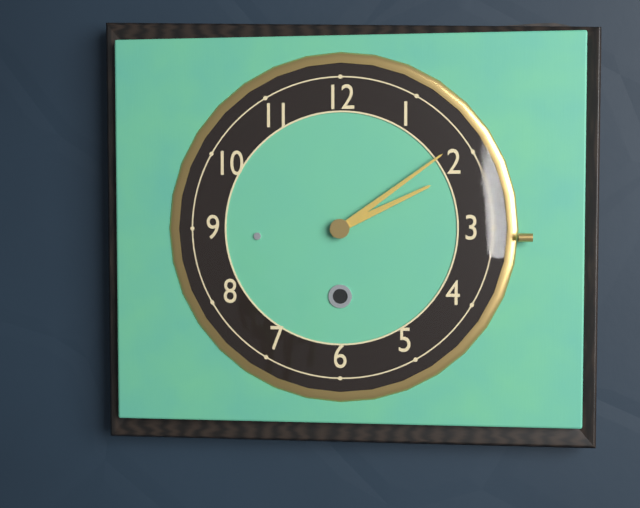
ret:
2,09
